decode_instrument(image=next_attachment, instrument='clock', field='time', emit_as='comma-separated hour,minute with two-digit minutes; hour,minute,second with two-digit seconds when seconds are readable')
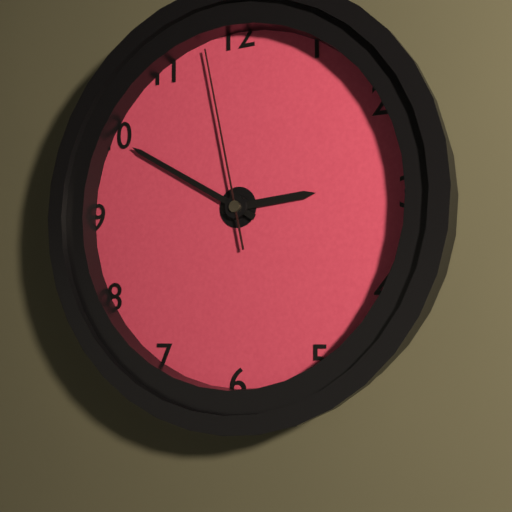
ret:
2,50,58
